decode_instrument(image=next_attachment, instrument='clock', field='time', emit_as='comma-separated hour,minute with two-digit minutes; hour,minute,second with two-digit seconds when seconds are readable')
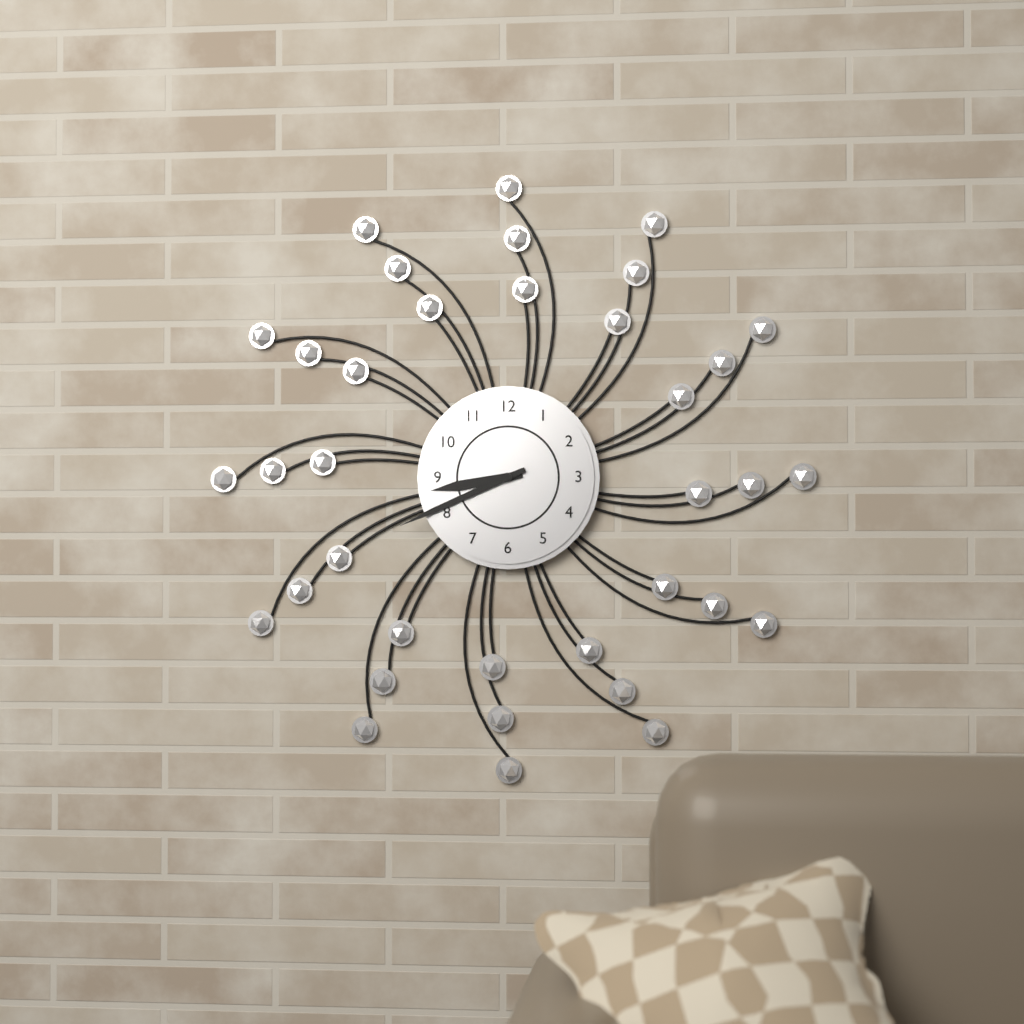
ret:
8,41
